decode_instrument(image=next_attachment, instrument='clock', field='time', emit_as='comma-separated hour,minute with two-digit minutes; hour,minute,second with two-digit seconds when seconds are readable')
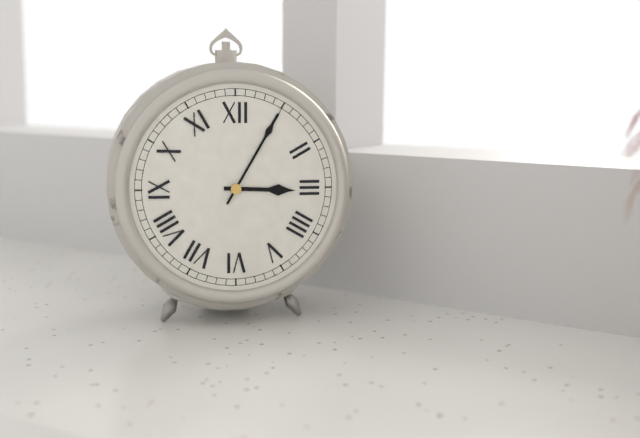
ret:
3,05
